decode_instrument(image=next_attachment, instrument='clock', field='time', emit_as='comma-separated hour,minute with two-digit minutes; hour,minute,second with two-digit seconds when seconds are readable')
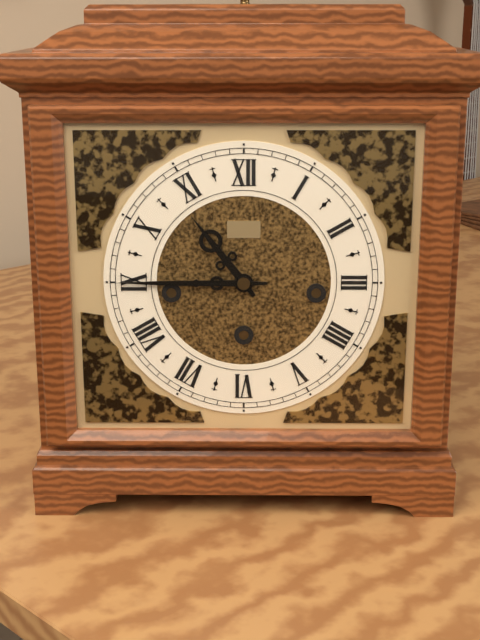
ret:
10,45
